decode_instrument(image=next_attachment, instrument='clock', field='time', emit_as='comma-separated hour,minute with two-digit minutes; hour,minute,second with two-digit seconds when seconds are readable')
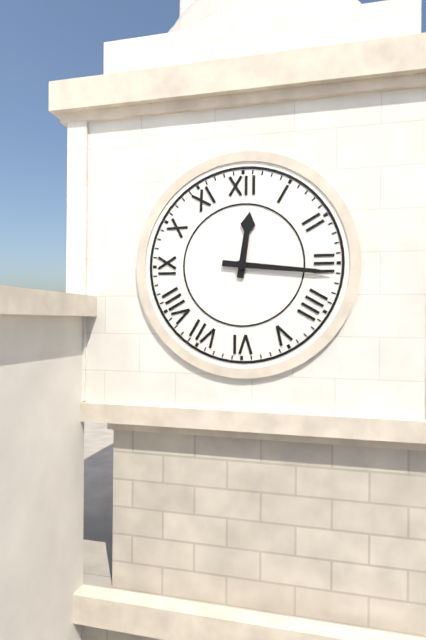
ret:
12,16
